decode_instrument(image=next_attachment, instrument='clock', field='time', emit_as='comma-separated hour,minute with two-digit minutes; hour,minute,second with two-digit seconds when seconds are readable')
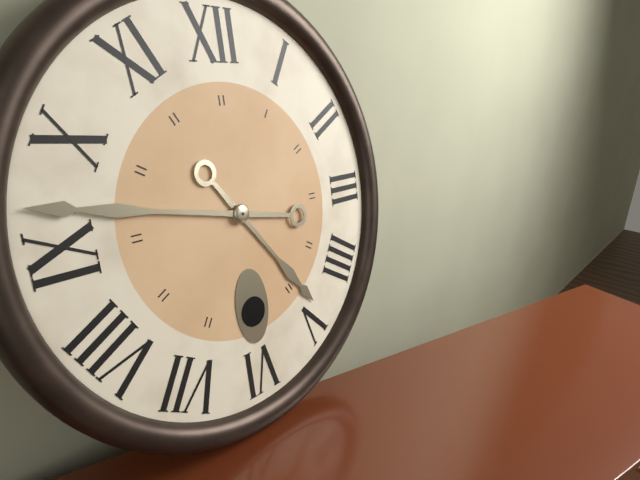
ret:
4,47
